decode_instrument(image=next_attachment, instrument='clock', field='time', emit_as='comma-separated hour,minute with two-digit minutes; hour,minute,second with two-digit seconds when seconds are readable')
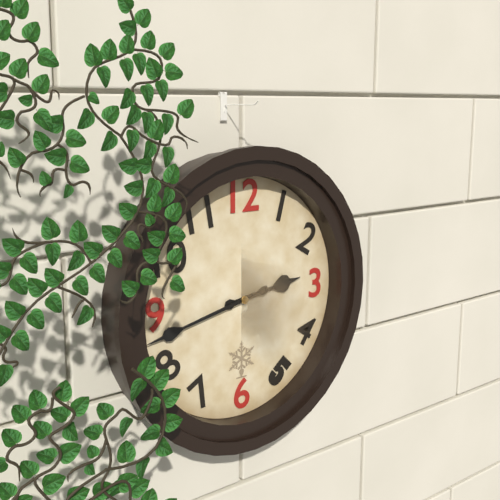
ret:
2,43
